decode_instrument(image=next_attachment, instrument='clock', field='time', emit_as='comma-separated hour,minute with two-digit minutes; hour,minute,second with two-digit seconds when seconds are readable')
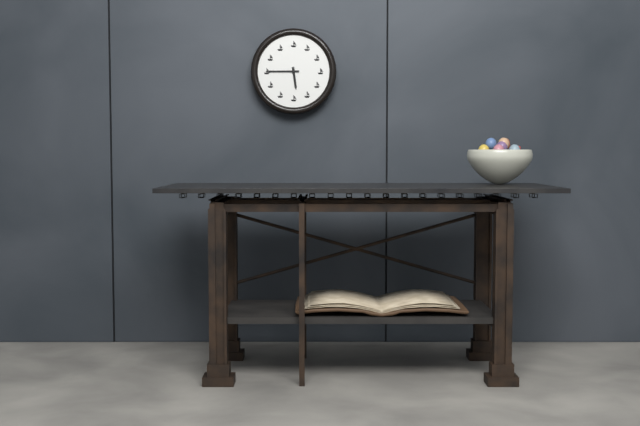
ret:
5,45
